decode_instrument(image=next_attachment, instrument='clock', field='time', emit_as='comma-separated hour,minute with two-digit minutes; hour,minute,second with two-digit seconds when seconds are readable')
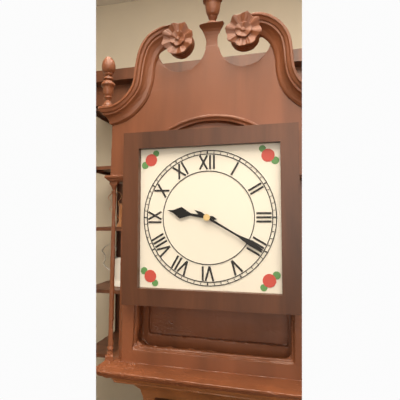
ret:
9,20
